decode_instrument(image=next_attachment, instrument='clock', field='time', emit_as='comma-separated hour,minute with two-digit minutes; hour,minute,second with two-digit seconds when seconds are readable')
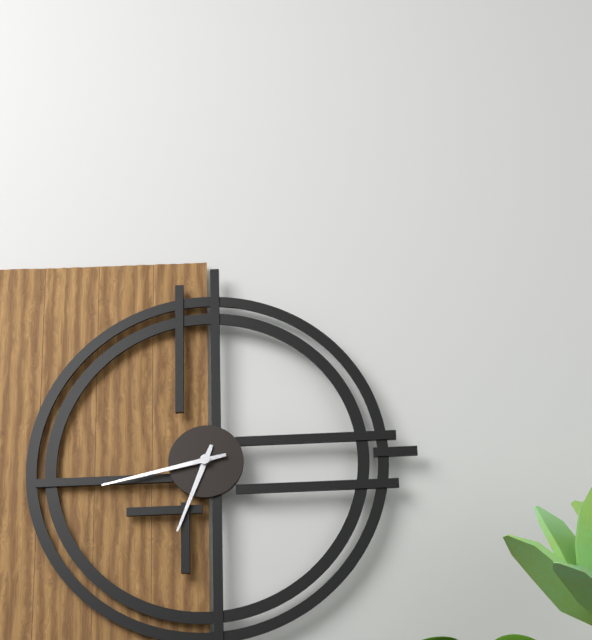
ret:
6,43
